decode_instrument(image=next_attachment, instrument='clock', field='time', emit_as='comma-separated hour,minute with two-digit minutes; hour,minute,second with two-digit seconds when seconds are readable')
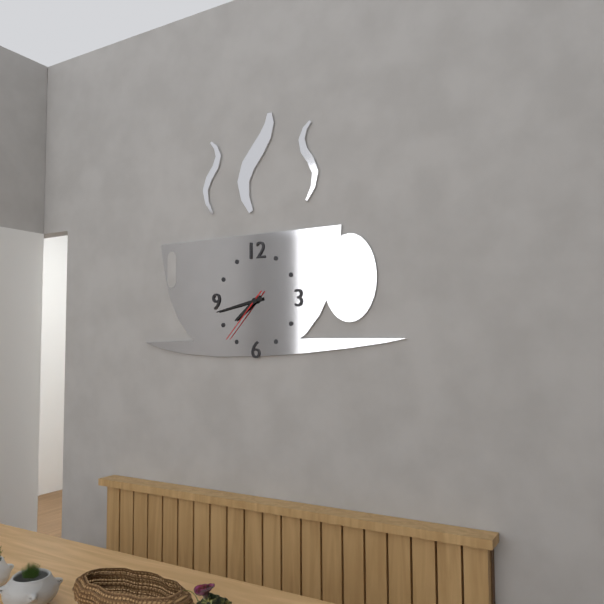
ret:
7,43,37
